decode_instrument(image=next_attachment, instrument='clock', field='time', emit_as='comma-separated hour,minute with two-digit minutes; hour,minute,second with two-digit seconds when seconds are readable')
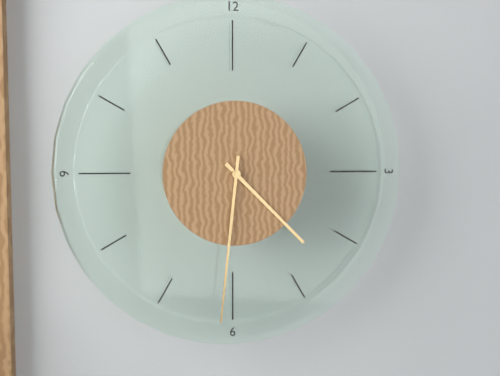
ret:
4,31
